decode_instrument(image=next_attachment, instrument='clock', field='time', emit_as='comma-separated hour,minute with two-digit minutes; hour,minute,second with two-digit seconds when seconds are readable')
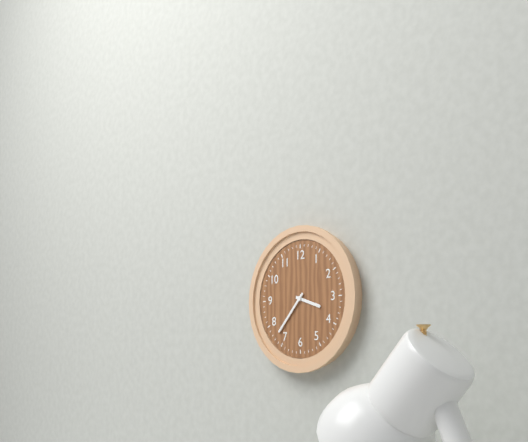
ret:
3,37
